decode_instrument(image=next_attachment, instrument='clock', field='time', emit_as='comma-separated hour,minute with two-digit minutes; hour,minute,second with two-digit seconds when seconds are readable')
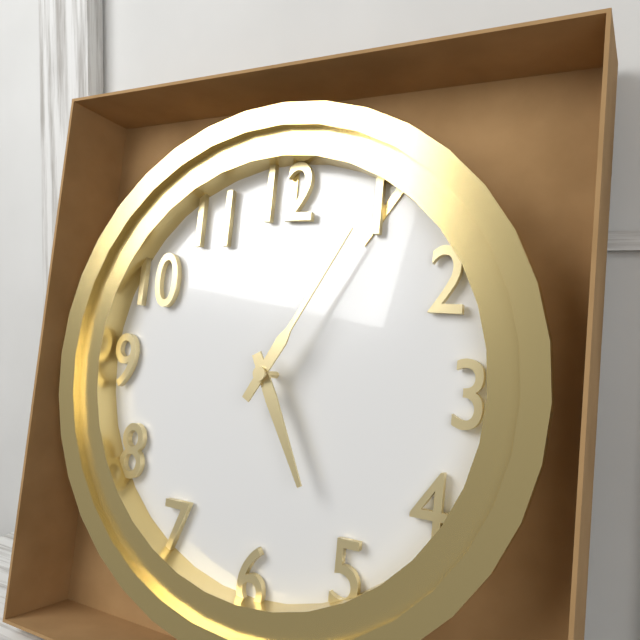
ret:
5,05
